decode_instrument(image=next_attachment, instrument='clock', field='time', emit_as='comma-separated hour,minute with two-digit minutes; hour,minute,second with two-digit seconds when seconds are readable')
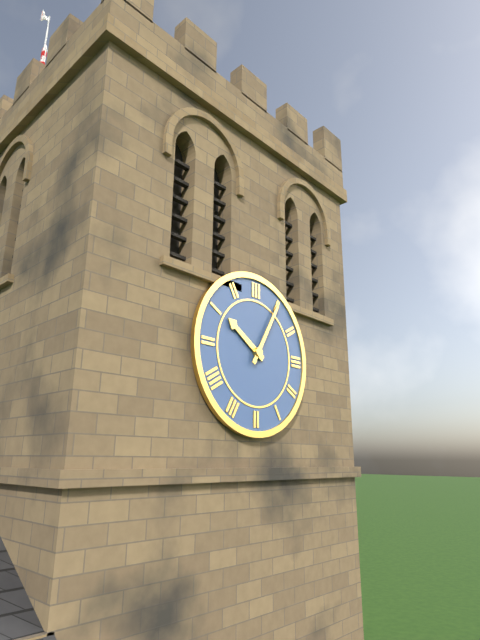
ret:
10,05
